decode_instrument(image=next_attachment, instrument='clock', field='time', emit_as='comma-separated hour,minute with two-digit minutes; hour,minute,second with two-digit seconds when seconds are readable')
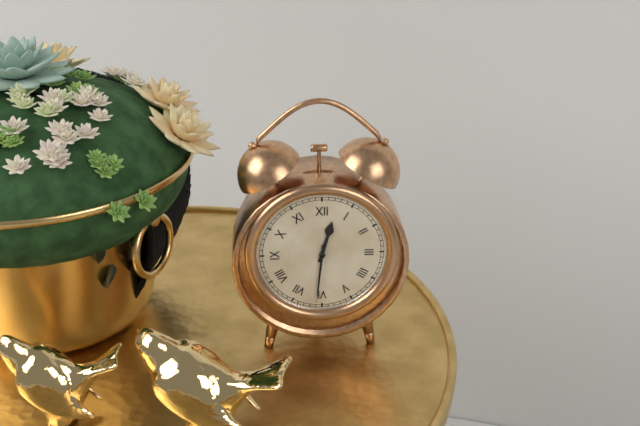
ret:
12,31
